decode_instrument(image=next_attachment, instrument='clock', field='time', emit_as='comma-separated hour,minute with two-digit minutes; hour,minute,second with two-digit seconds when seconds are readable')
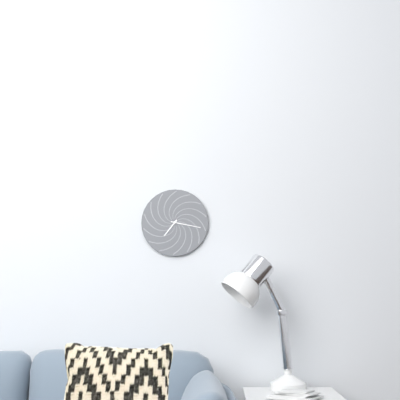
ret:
7,17
